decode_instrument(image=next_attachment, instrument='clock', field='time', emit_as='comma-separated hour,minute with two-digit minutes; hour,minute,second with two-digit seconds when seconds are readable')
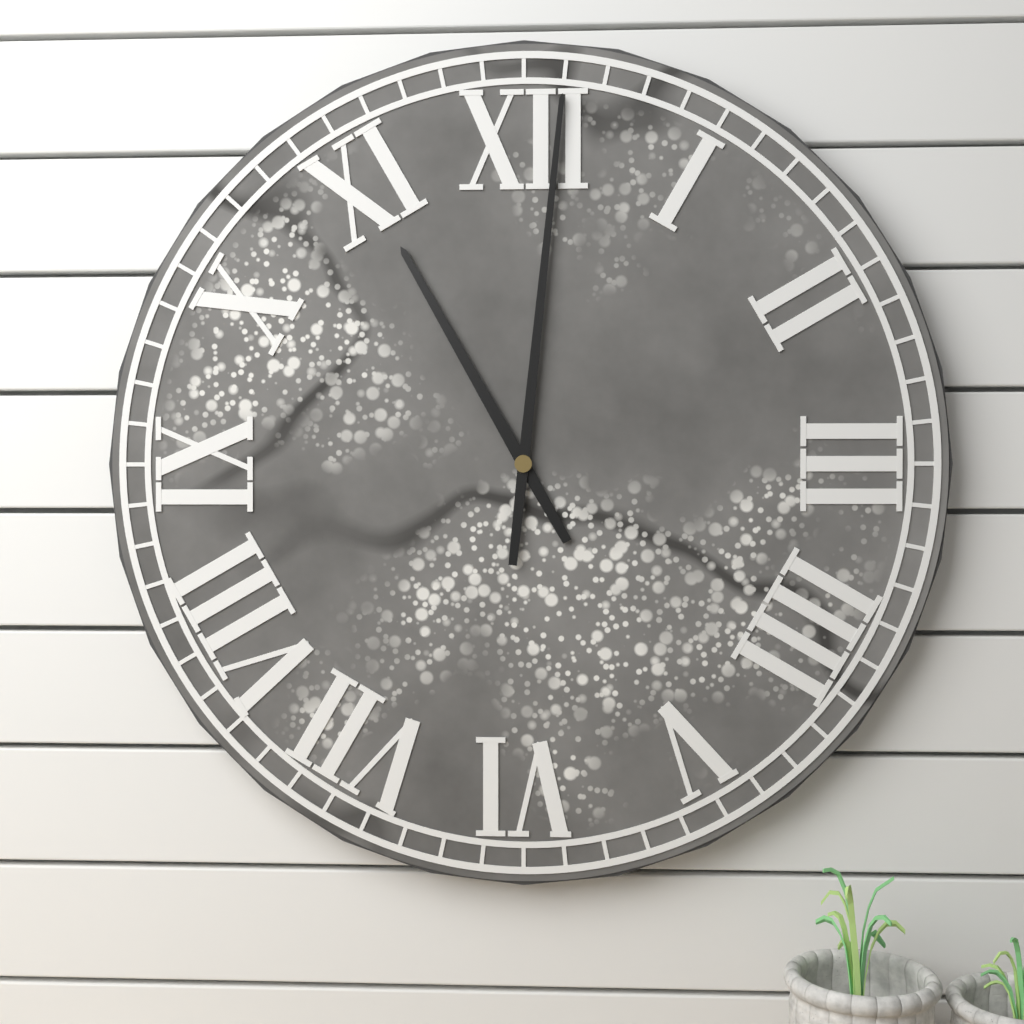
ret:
11,01
